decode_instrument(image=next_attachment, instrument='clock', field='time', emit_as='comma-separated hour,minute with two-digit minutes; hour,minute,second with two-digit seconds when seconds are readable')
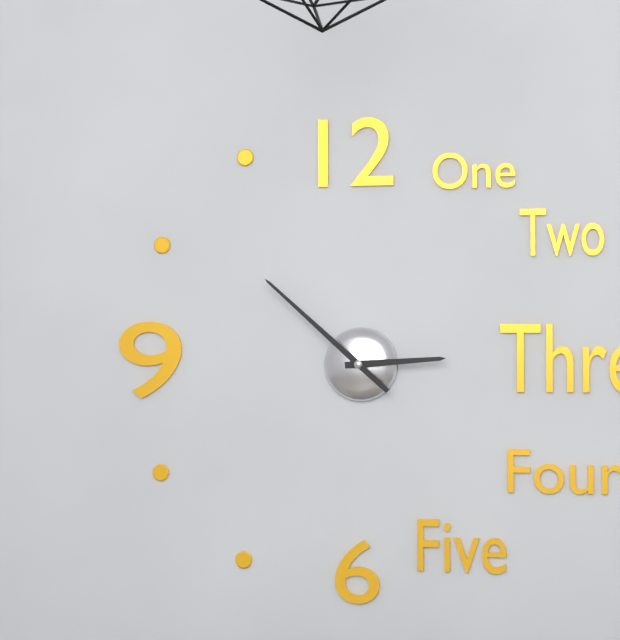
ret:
2,52
